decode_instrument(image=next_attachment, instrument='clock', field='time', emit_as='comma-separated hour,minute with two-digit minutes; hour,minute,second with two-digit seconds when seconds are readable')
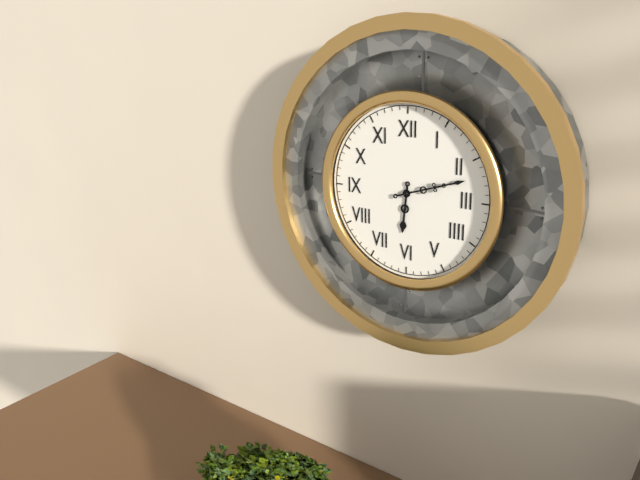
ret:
6,12
